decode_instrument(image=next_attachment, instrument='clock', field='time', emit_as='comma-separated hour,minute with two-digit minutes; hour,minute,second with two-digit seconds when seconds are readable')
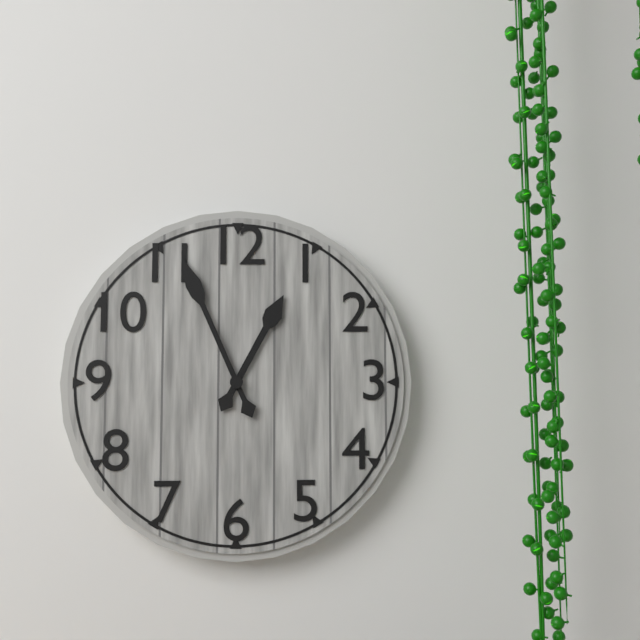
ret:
12,56
